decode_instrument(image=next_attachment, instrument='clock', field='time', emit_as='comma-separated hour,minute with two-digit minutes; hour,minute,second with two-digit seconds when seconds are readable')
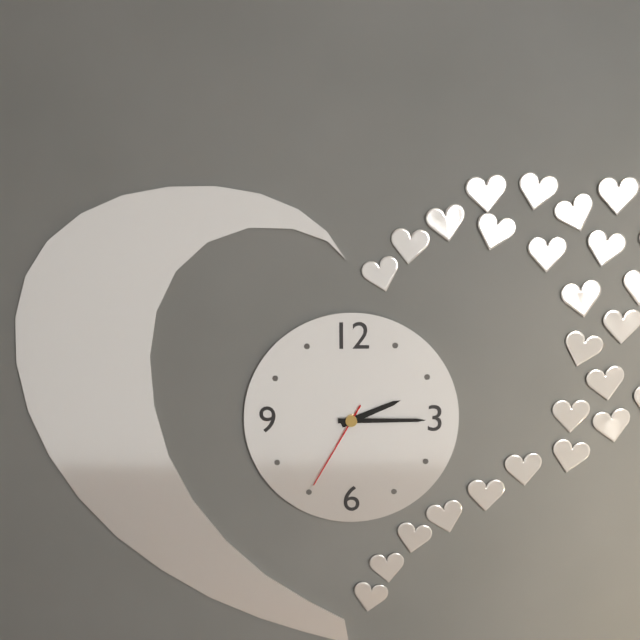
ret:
2,15,35
